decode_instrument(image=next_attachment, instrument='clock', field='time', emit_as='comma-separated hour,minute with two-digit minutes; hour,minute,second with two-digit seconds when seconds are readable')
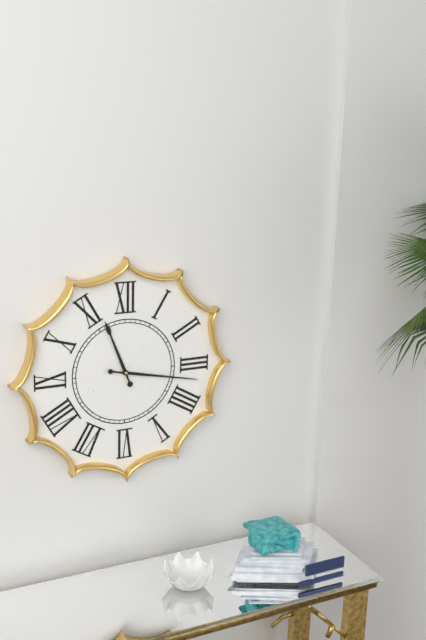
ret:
11,17
